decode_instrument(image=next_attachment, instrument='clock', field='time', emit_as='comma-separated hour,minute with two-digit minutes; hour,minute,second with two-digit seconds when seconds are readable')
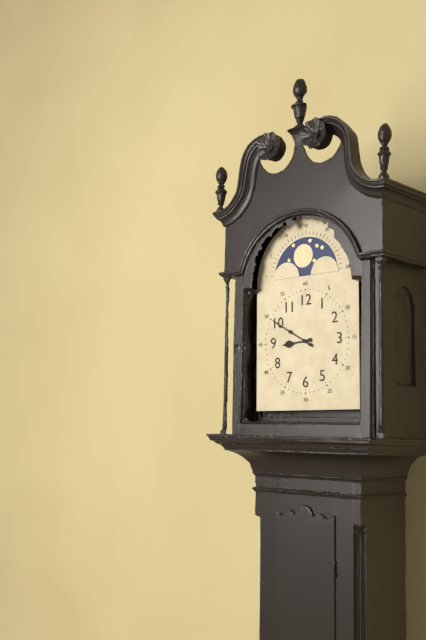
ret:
8,50
